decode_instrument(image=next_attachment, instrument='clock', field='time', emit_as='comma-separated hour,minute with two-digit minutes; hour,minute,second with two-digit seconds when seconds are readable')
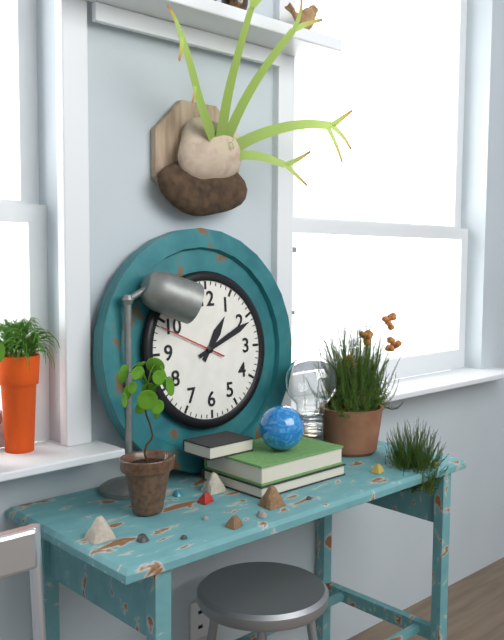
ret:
1,11,49
